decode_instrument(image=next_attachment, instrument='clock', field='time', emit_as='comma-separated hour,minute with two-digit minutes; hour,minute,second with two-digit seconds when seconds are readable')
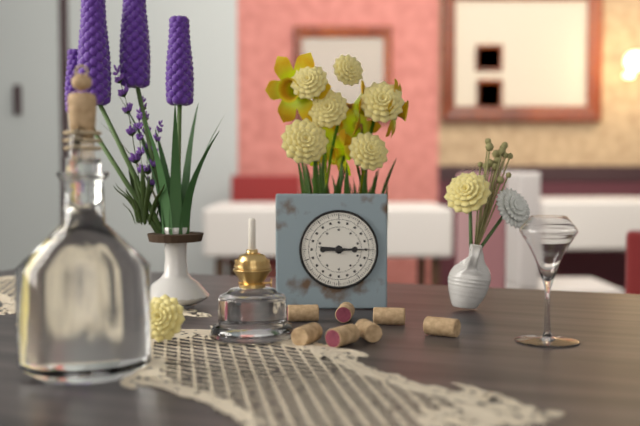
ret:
9,15
